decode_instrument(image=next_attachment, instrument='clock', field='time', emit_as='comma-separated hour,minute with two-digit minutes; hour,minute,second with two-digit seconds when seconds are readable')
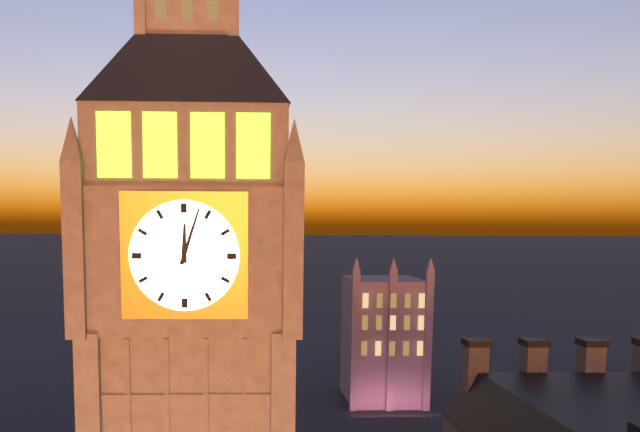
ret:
12,03
